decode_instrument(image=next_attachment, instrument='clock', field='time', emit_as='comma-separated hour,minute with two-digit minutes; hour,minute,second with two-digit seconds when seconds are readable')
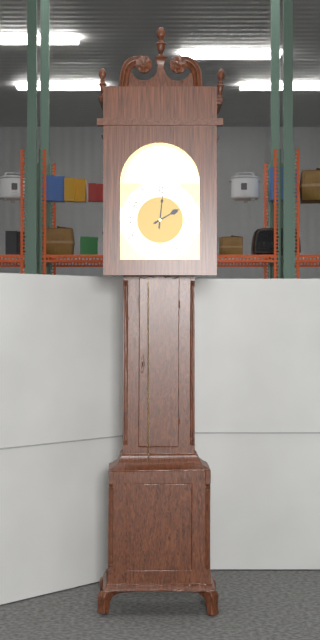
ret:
2,01
